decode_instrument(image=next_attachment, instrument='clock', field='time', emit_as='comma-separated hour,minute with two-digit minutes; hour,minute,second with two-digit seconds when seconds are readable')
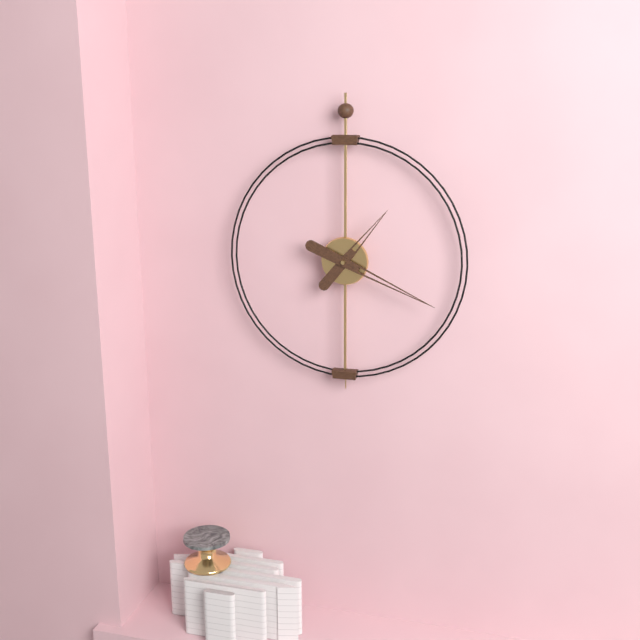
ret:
1,19
